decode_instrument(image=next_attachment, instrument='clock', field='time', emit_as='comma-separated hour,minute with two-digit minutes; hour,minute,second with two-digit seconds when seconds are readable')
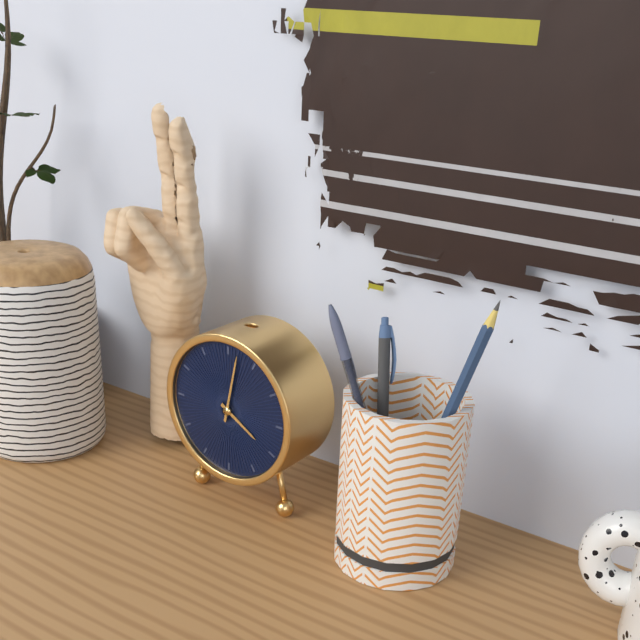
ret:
4,02
